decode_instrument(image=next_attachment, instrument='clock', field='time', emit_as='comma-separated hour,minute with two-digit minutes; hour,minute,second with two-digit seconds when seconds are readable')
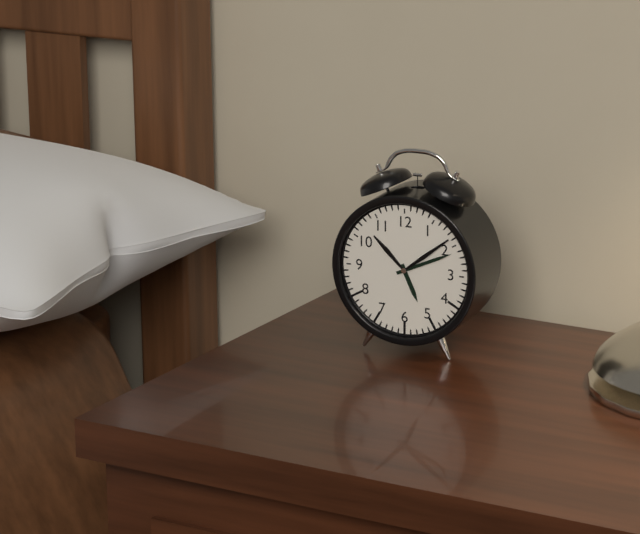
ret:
5,11
